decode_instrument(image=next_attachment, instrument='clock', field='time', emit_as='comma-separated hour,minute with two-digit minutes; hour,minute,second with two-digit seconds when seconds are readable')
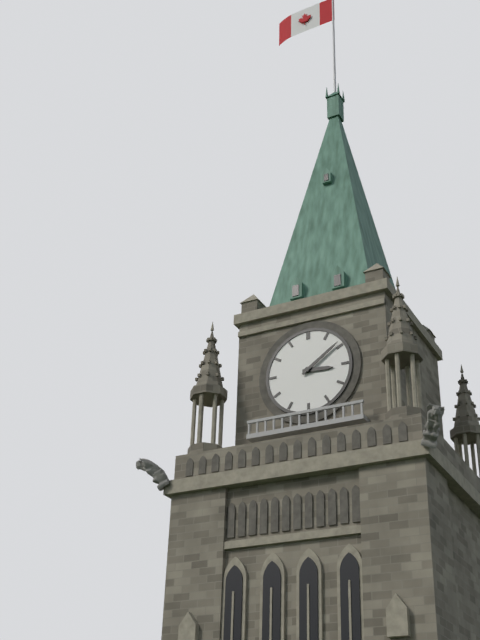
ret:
3,09
